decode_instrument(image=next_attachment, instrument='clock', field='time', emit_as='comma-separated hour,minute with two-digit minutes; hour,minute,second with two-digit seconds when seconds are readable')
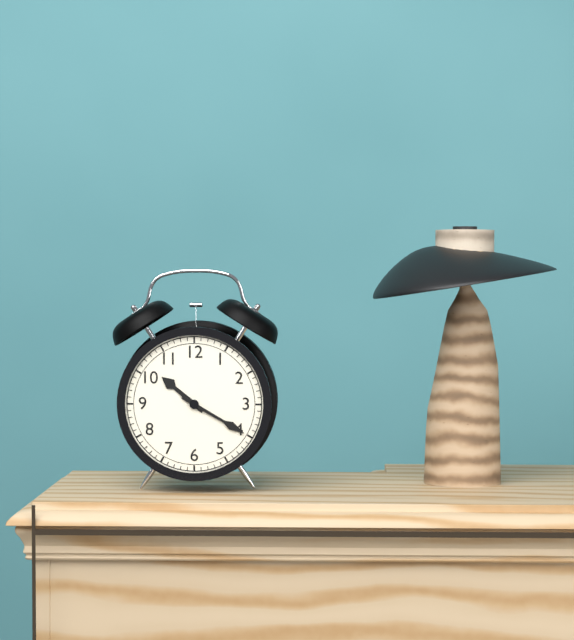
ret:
10,20
